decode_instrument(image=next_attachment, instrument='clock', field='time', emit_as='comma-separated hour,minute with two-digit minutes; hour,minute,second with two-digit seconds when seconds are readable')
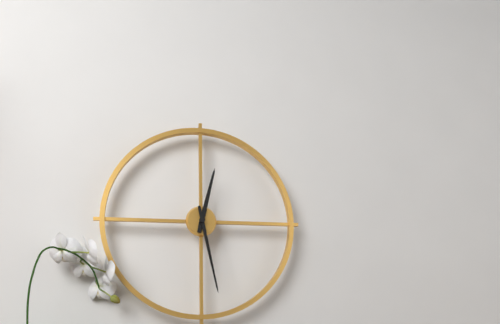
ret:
12,28
